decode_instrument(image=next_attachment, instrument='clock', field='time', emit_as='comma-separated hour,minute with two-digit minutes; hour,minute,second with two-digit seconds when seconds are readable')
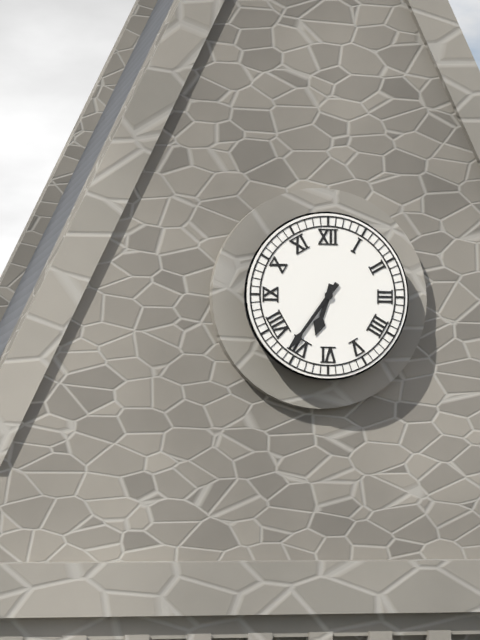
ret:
6,36
